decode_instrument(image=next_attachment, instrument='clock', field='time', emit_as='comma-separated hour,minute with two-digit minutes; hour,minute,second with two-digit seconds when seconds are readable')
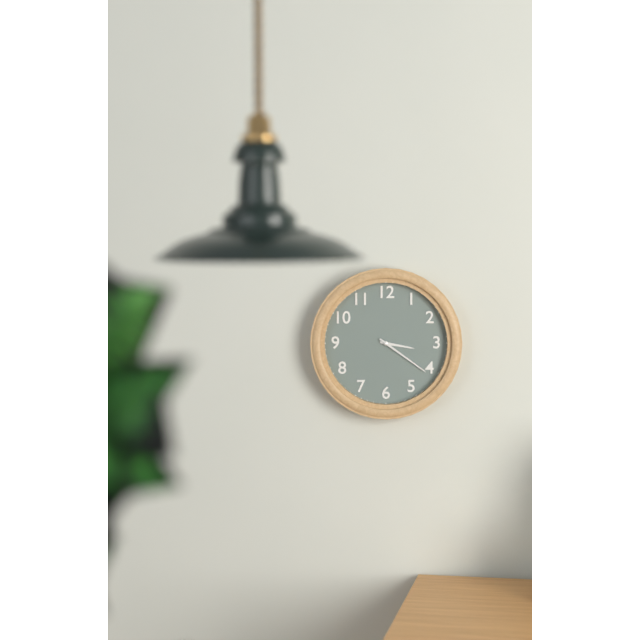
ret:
3,21
